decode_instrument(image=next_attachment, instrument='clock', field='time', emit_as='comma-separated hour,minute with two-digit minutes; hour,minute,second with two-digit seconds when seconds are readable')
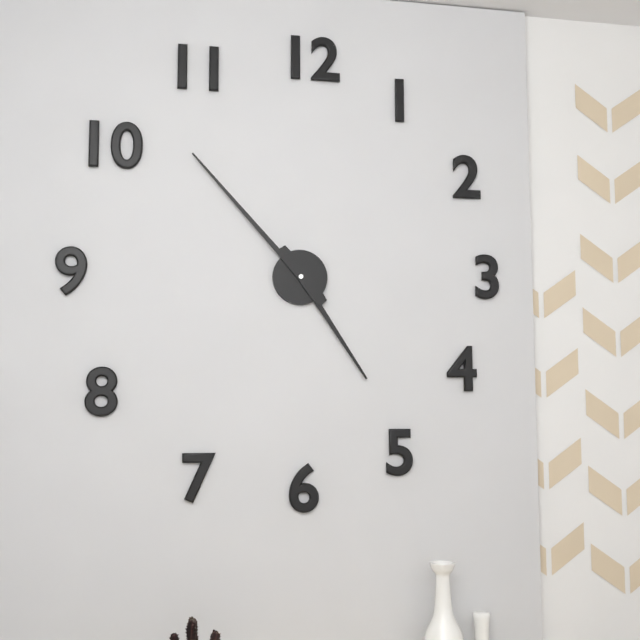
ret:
4,53
